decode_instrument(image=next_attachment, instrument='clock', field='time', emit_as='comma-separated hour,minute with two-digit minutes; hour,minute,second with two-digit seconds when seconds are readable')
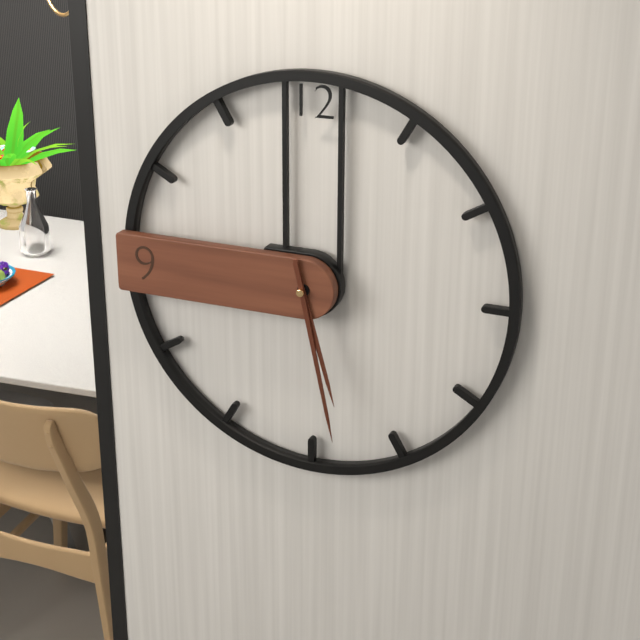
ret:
5,28
